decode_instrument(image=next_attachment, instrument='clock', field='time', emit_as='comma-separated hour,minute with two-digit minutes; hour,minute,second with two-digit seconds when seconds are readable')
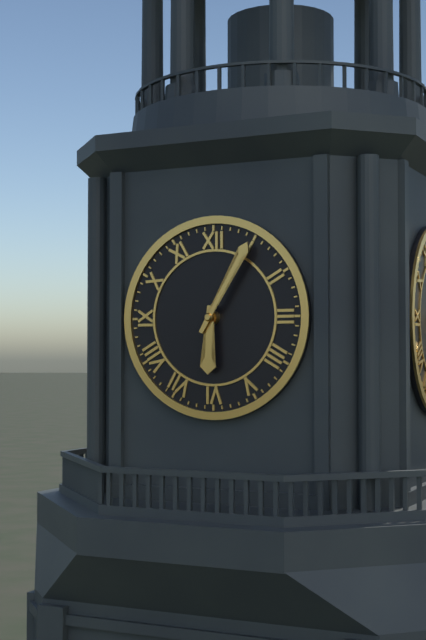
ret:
6,05
